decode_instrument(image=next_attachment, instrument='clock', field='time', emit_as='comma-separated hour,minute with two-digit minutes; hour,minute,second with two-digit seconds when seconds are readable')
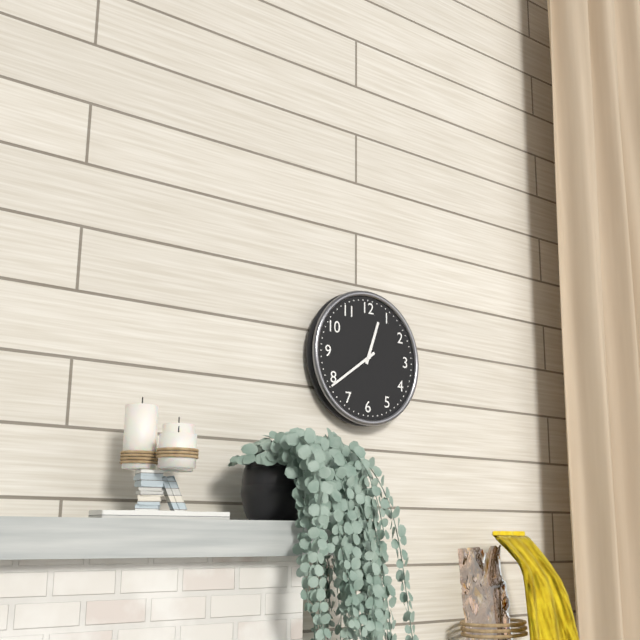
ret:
12,39
